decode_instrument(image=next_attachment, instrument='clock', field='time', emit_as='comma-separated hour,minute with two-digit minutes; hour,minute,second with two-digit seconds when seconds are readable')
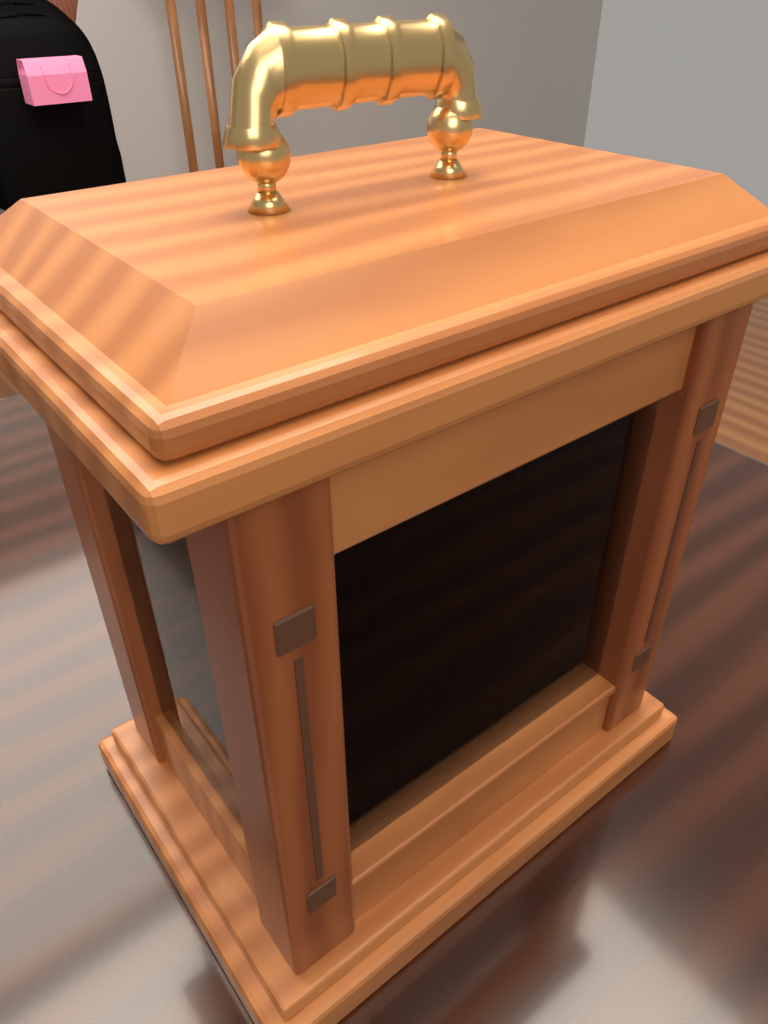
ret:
7,23
